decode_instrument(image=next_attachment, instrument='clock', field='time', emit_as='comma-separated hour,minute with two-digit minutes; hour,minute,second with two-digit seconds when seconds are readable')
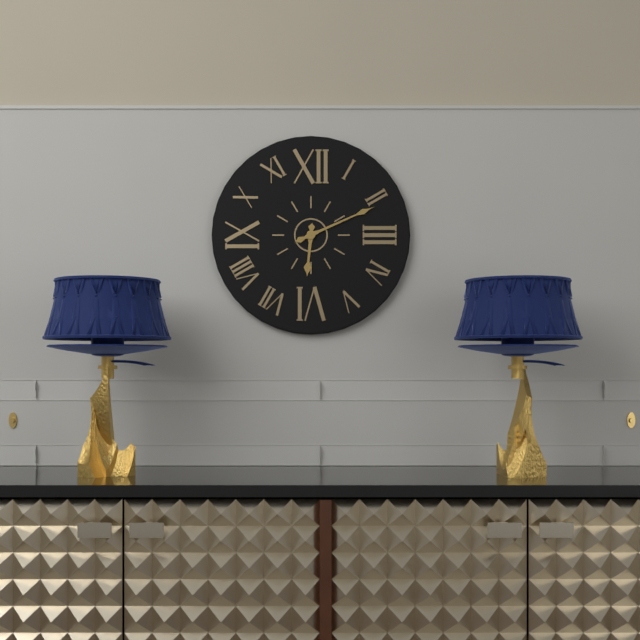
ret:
6,11
